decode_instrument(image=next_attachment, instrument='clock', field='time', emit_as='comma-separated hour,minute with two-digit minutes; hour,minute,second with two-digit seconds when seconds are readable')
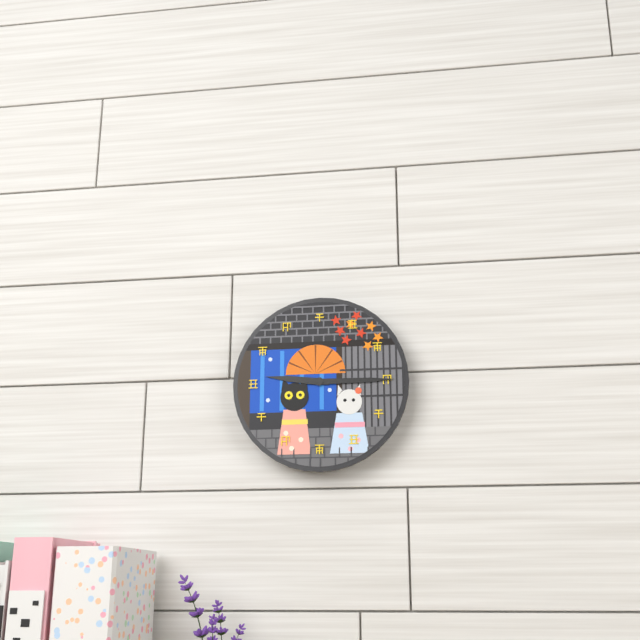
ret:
9,15
